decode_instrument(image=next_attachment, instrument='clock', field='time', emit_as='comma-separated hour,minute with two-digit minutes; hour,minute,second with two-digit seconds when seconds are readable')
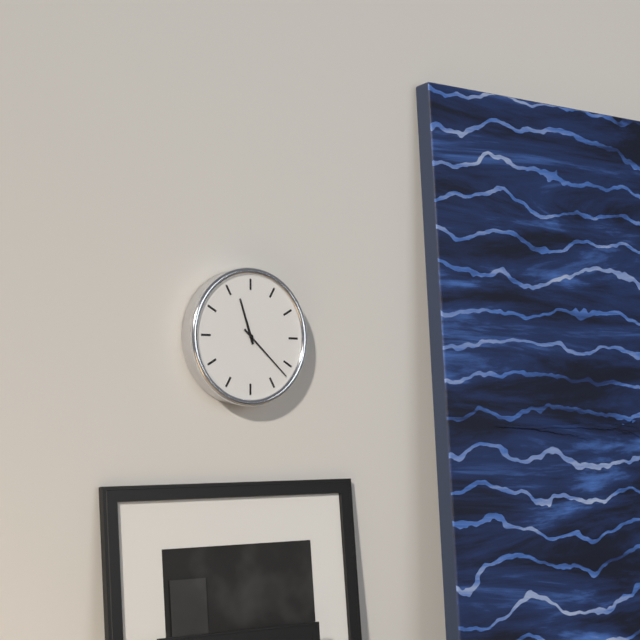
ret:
11,22
